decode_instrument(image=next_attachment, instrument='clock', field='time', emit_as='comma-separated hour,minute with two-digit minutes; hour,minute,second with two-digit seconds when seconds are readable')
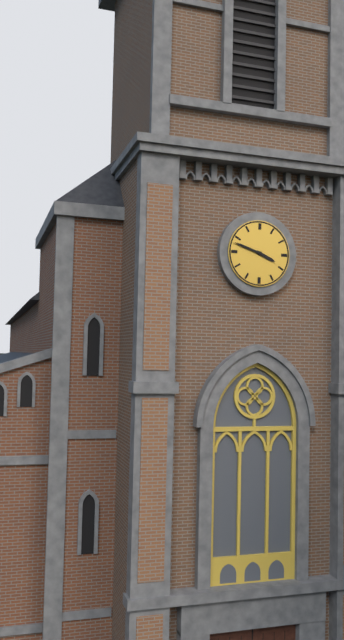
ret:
3,48
